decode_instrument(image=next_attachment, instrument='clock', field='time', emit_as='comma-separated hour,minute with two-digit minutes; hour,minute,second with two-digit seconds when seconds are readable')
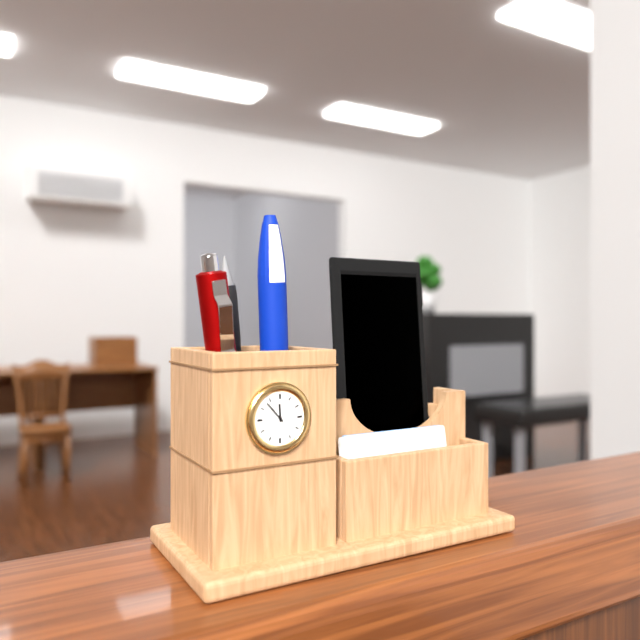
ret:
11,53
